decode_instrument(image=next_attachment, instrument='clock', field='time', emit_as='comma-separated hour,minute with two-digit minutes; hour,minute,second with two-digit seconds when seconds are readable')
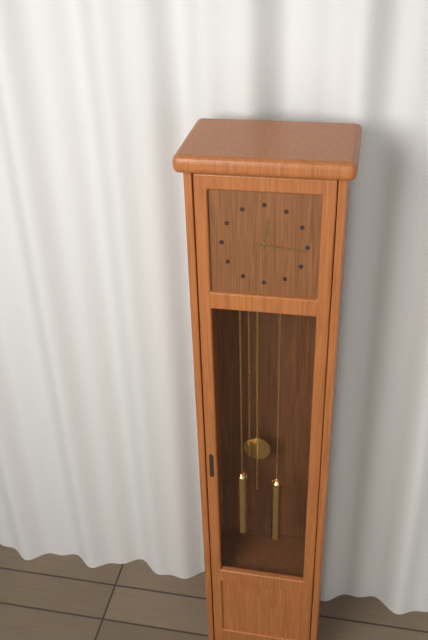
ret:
12,16
